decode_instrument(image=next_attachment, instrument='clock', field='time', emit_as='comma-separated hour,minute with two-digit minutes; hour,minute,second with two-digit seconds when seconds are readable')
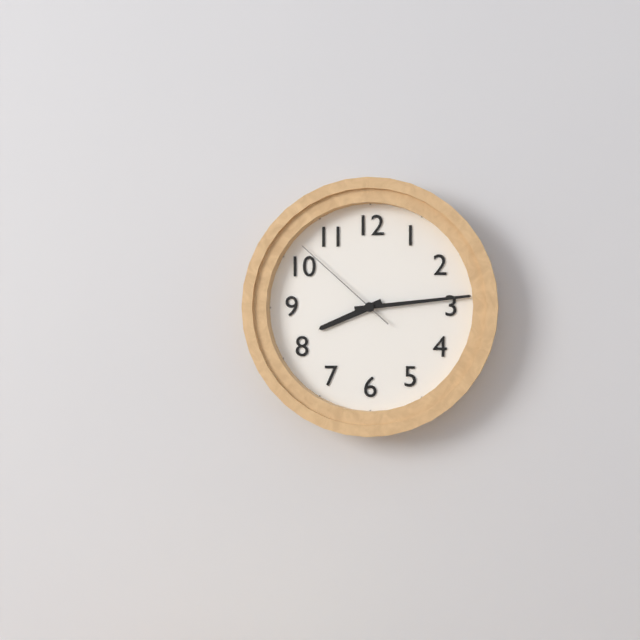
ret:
8,14,52
